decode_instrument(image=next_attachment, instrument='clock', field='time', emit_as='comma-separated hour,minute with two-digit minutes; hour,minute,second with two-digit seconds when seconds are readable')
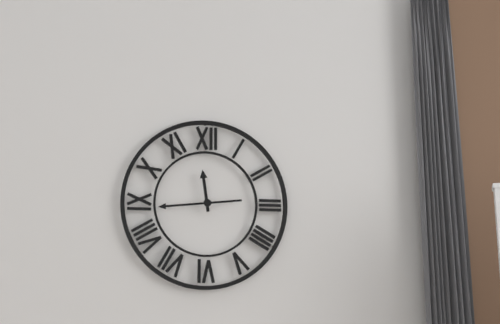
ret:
11,44
